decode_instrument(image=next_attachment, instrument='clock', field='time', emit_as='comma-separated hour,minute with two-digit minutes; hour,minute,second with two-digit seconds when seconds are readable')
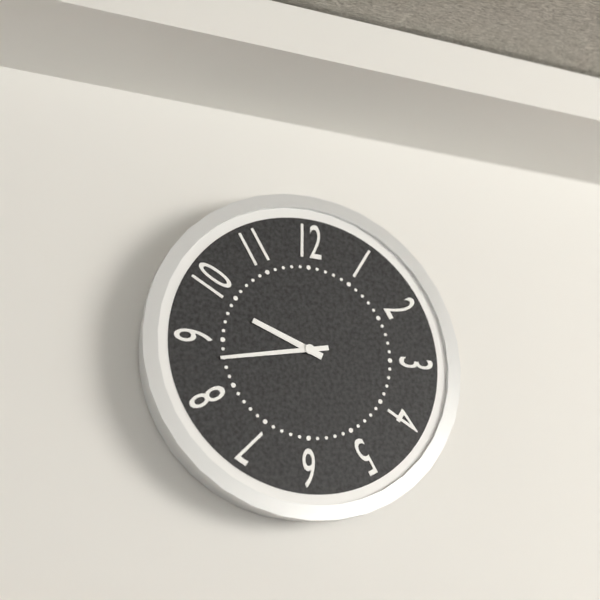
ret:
9,43
